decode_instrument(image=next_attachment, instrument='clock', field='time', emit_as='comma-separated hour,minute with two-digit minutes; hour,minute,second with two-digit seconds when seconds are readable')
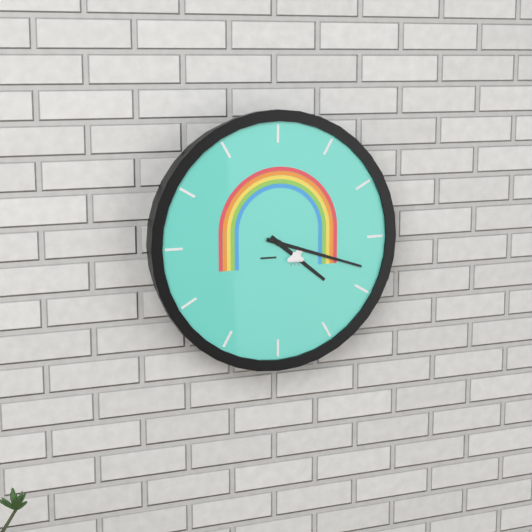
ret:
4,18
